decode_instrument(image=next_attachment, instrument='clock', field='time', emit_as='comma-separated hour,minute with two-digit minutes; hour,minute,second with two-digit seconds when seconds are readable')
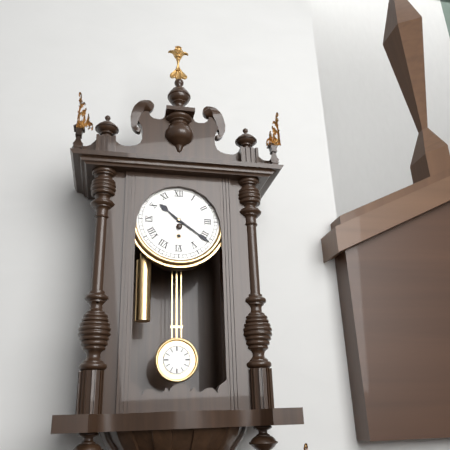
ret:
10,21
